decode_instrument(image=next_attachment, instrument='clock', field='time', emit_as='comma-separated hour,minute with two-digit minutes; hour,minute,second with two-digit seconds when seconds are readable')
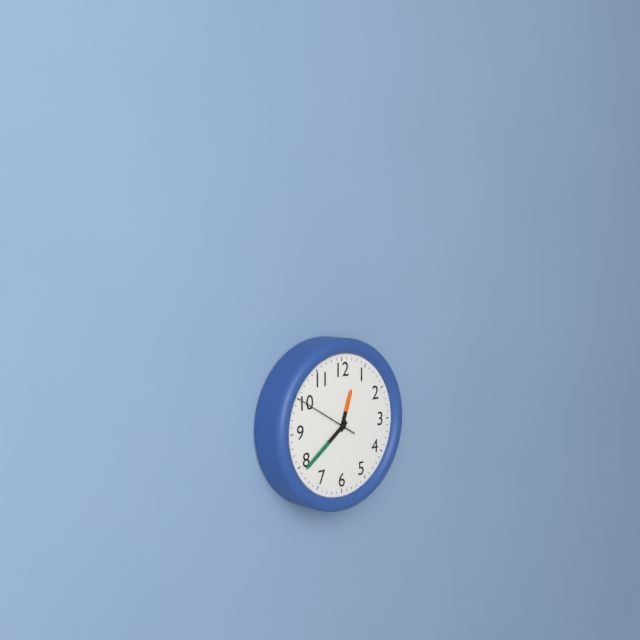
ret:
12,39,50
